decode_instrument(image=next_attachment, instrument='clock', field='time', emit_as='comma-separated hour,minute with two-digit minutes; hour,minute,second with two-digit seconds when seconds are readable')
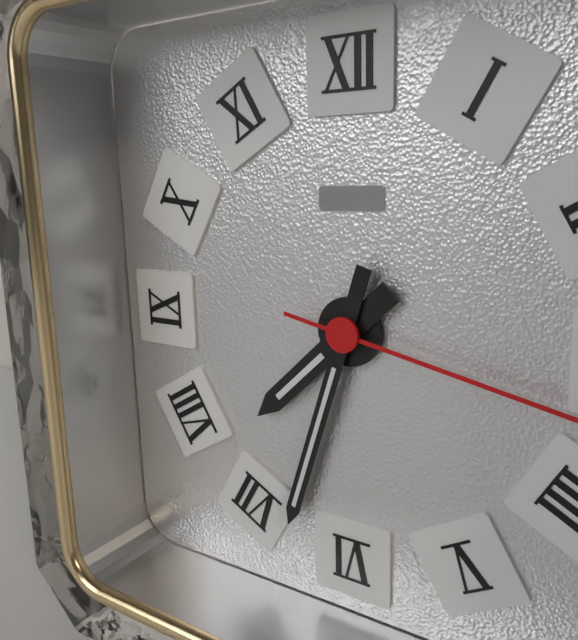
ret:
7,33
